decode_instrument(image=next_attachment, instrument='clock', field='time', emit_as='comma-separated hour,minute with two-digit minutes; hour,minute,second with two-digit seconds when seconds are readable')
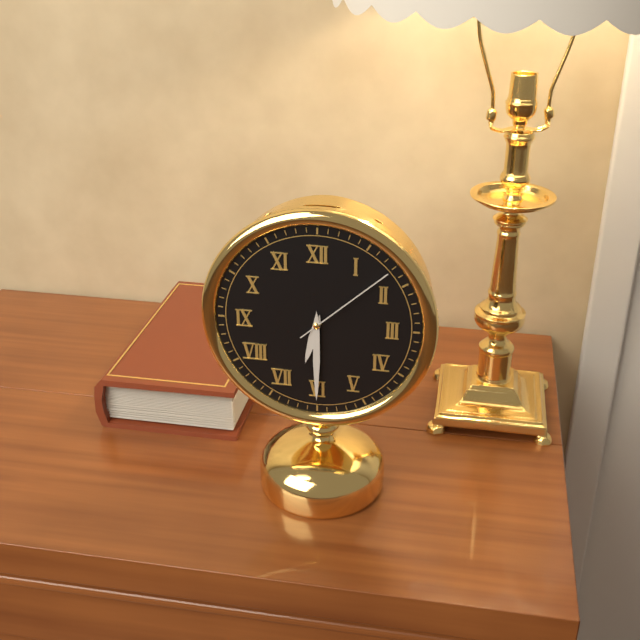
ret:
6,30,08
